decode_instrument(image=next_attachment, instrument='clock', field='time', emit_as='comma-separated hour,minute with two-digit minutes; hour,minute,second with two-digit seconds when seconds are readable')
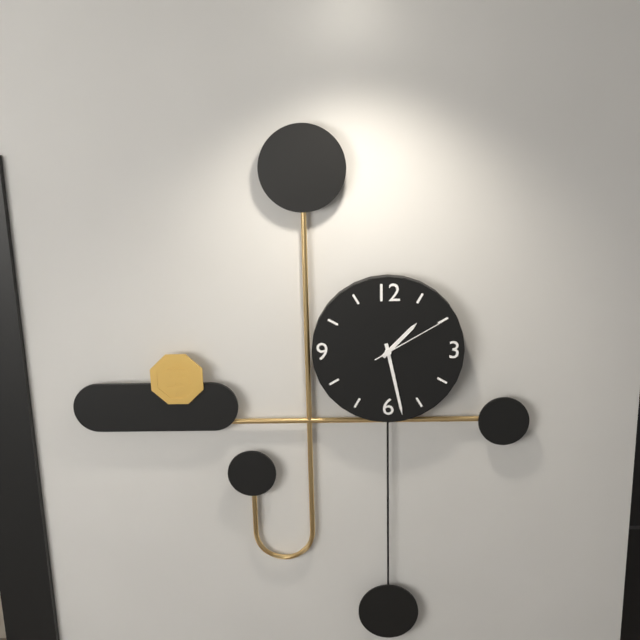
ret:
1,28,10
